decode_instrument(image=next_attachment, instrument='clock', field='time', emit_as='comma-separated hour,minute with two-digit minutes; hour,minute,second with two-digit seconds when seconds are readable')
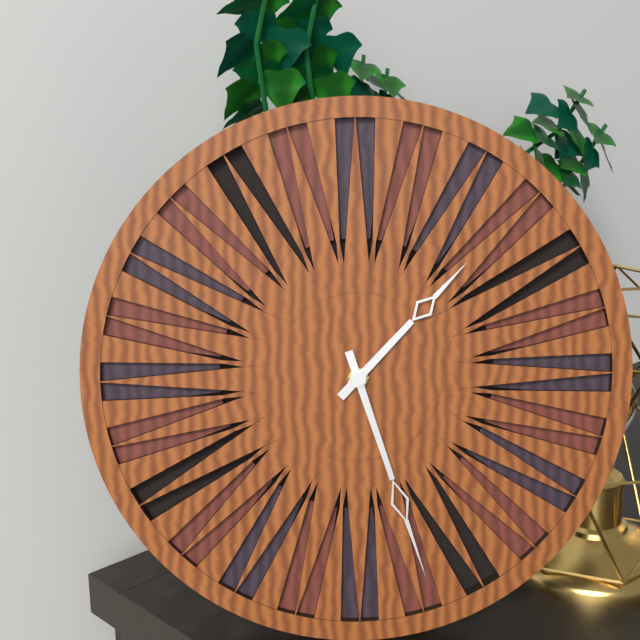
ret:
1,27
